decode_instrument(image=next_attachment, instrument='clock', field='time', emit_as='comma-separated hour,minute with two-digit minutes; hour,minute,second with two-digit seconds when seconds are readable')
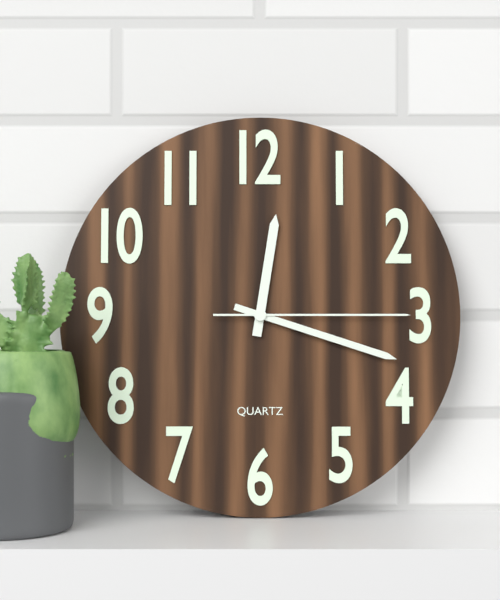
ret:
12,18,15
